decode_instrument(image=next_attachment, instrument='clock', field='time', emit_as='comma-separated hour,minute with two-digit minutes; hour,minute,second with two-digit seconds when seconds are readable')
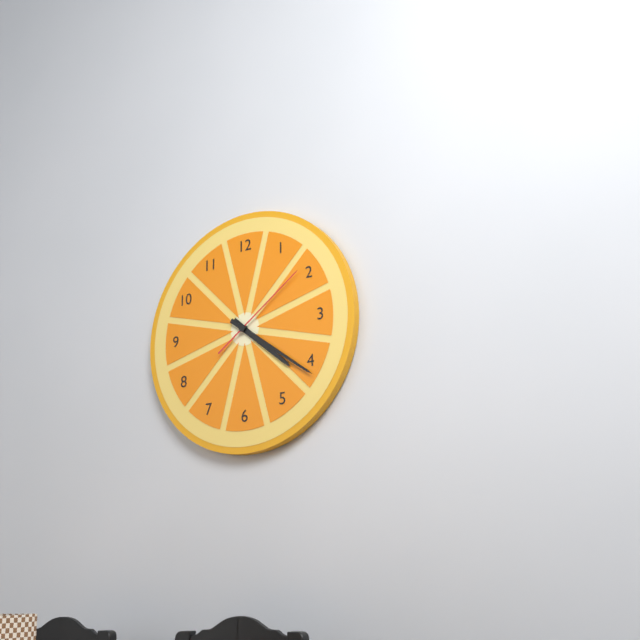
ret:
4,21,09
